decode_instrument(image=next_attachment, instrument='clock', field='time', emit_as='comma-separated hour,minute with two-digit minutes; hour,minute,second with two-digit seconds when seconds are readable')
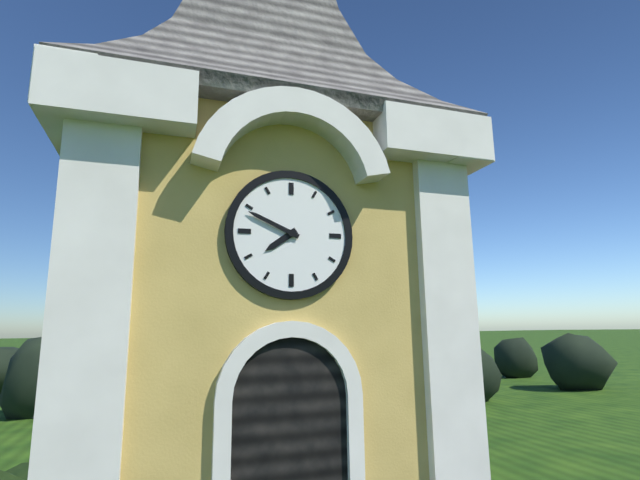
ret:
7,49
